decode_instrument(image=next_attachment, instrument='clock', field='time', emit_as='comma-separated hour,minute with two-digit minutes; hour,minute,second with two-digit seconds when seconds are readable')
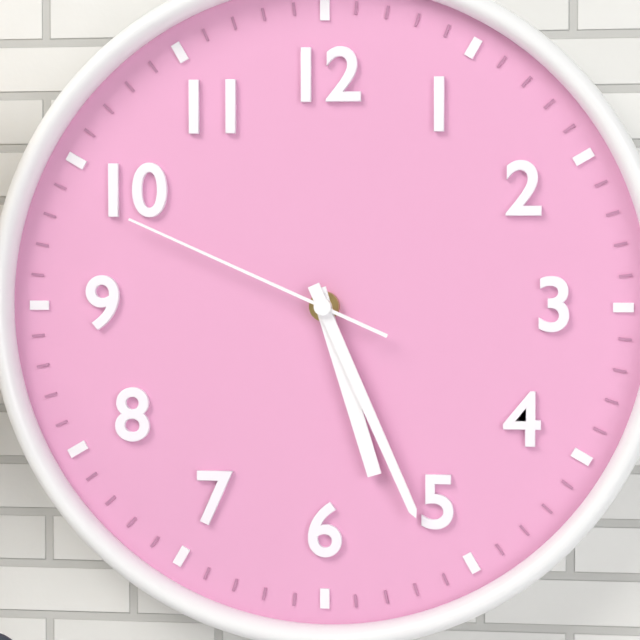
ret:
5,26,49
